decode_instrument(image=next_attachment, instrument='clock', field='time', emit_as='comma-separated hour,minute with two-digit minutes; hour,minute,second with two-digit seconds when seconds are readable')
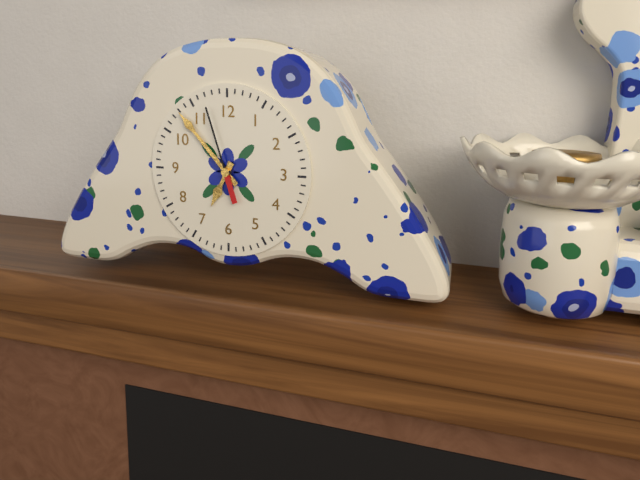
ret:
6,53,57
